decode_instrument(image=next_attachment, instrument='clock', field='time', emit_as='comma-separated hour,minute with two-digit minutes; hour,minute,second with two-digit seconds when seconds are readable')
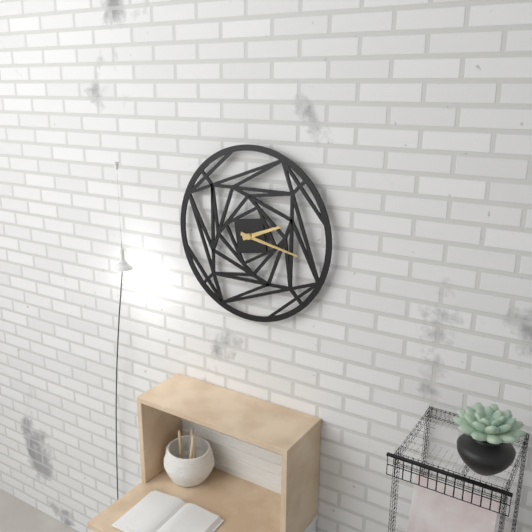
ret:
2,17
